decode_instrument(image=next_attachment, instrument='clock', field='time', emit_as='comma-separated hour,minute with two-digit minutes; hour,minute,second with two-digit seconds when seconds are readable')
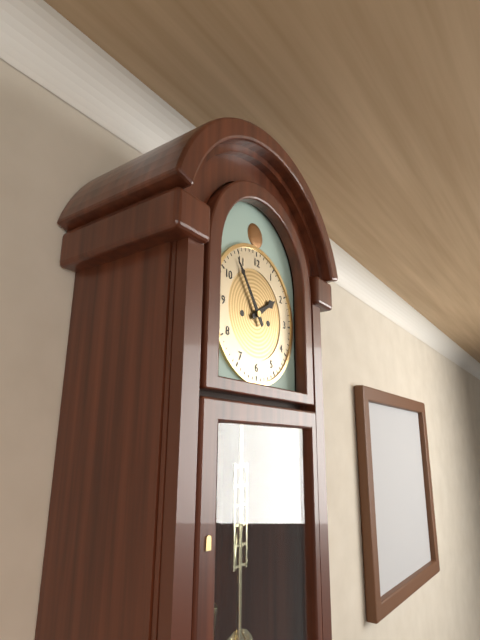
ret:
1,54
